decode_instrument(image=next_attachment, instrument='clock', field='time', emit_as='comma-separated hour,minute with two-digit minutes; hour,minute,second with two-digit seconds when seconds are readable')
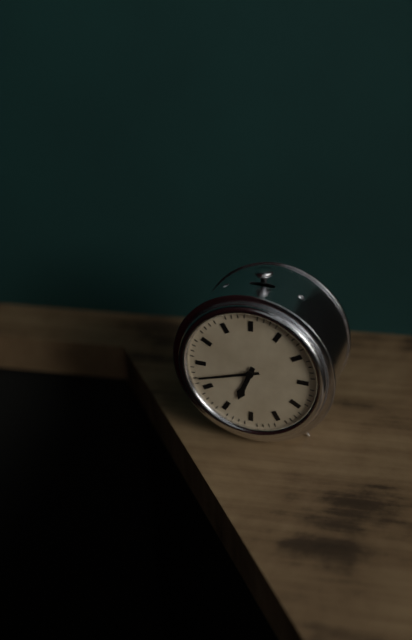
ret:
6,42
